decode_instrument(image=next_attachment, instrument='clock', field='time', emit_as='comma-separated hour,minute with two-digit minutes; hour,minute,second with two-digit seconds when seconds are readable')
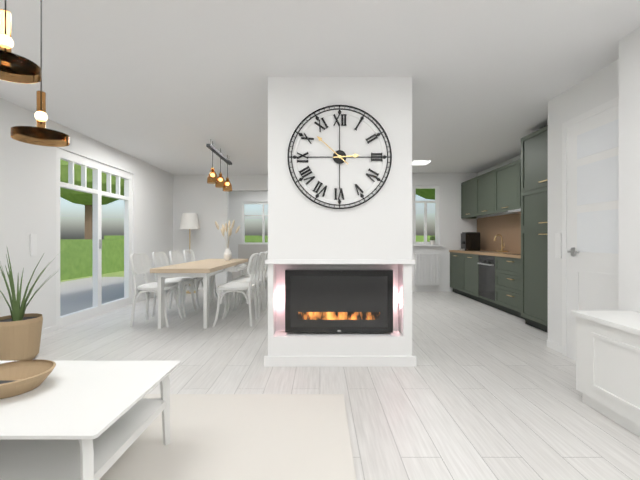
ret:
2,52
